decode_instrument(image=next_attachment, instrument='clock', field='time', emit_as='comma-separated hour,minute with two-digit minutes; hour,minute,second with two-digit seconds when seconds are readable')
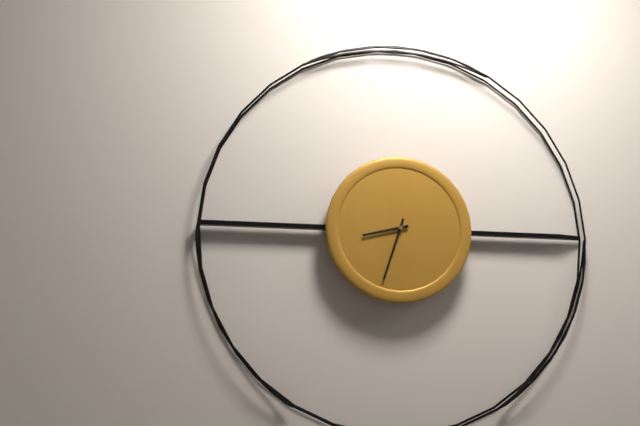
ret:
8,33
